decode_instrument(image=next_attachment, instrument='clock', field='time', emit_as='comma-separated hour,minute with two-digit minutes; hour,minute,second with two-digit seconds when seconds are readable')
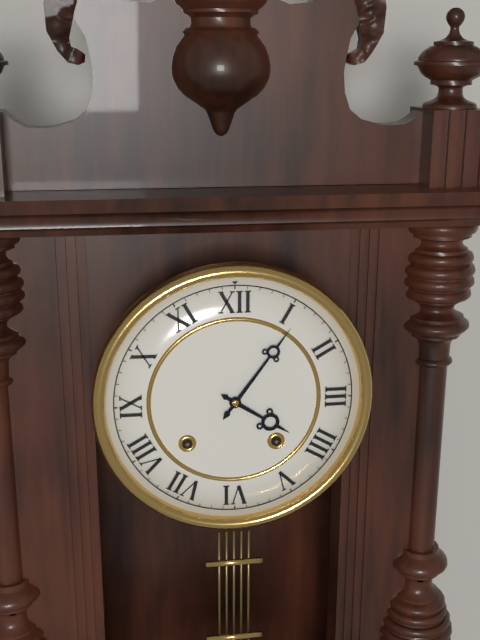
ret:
4,06
